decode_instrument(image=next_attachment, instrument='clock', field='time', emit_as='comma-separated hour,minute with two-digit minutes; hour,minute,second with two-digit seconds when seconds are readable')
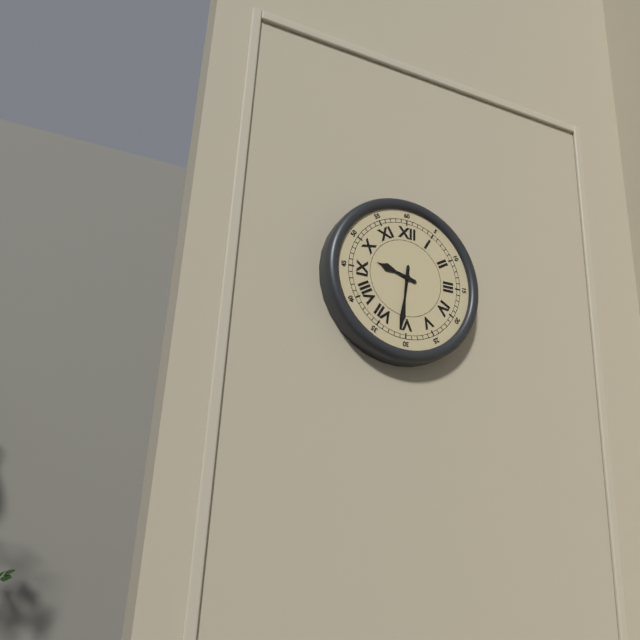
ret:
9,31
